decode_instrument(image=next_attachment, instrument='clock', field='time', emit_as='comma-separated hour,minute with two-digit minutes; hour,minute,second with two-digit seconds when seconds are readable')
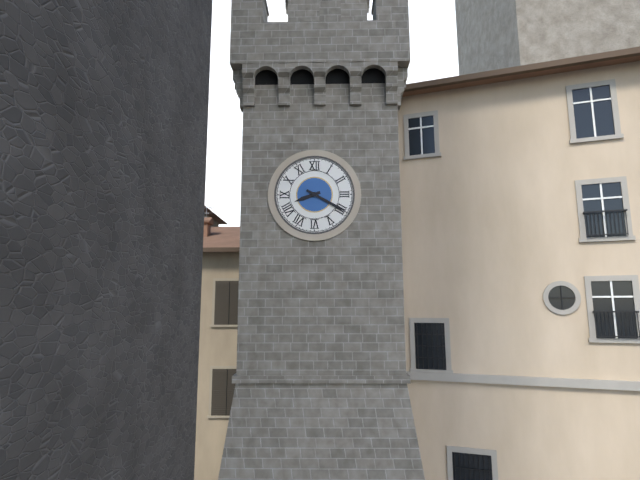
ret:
8,20
